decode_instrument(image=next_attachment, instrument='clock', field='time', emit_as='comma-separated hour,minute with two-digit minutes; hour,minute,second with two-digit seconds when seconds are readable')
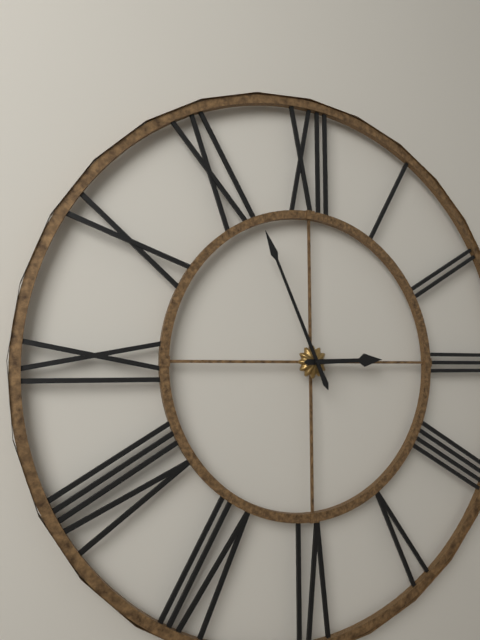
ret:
2,56
